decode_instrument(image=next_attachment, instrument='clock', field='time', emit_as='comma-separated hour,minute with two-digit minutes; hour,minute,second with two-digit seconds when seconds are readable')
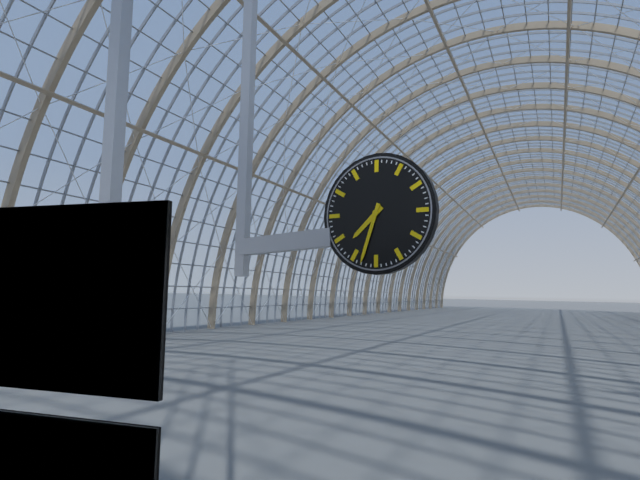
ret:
7,33
